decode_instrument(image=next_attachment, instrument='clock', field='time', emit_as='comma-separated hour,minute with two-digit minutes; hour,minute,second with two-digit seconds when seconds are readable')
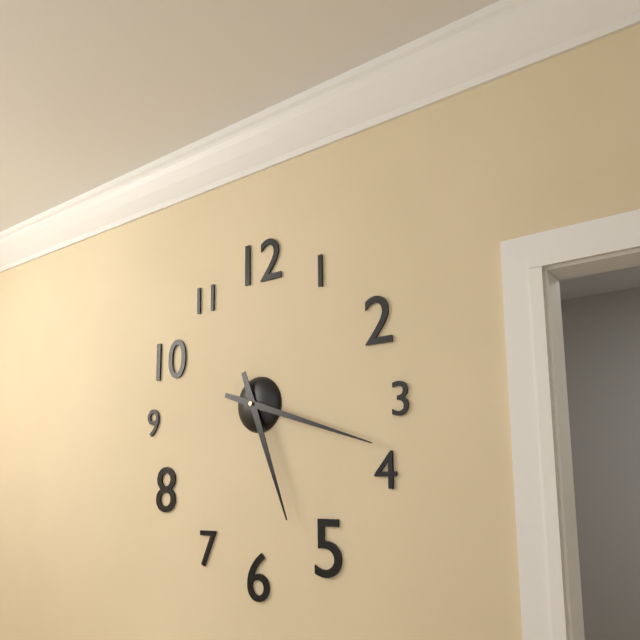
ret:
5,18
